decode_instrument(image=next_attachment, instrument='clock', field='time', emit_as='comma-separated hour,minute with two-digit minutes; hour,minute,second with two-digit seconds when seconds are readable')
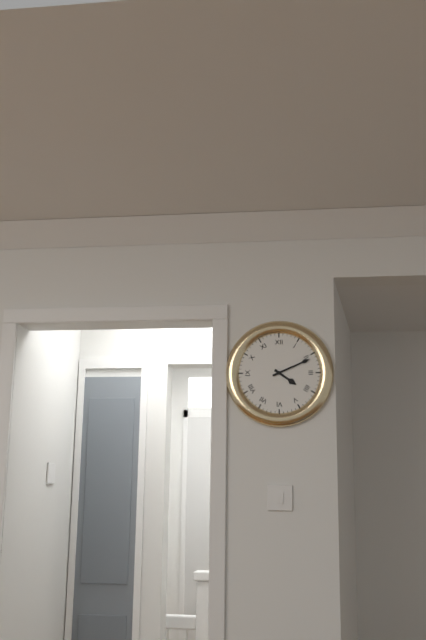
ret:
4,11
